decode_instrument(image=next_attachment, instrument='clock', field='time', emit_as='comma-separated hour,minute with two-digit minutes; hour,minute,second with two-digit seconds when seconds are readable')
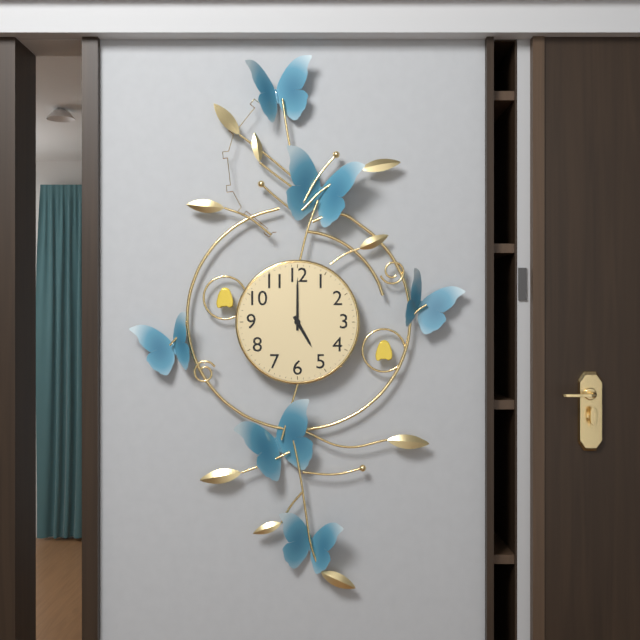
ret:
5,00
